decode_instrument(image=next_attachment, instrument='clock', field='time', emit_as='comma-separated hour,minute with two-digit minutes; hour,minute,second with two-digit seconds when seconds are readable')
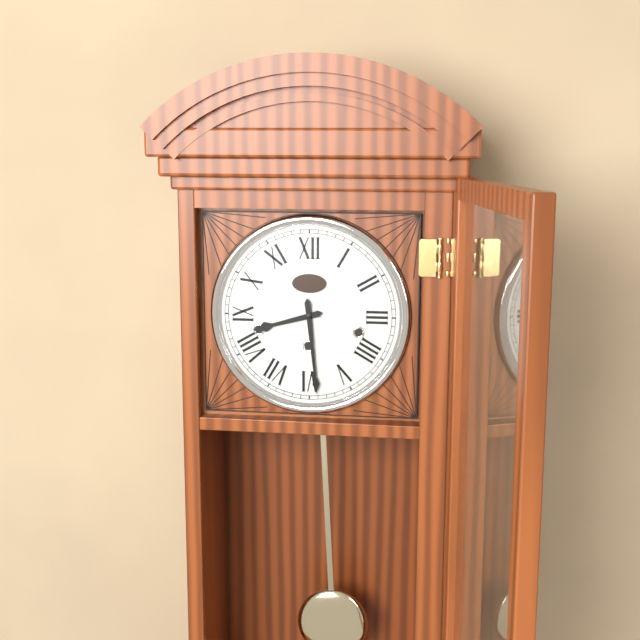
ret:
8,29
